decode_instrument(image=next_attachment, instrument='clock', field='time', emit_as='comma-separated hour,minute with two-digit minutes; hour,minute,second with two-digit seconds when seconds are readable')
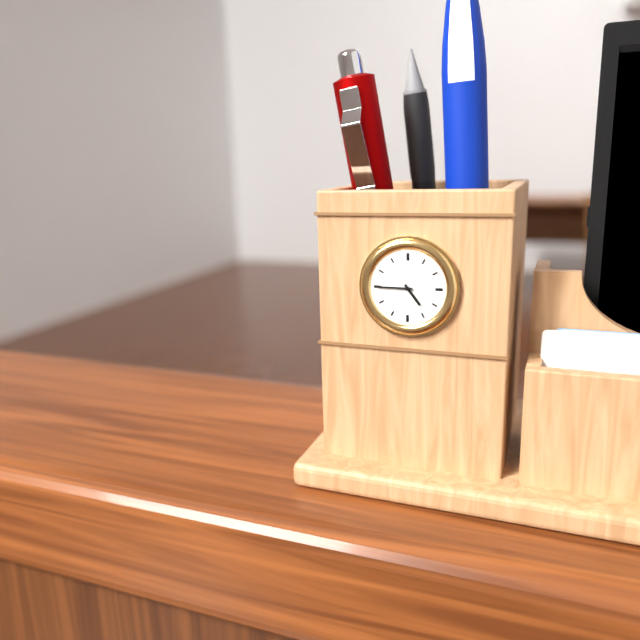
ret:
4,45
